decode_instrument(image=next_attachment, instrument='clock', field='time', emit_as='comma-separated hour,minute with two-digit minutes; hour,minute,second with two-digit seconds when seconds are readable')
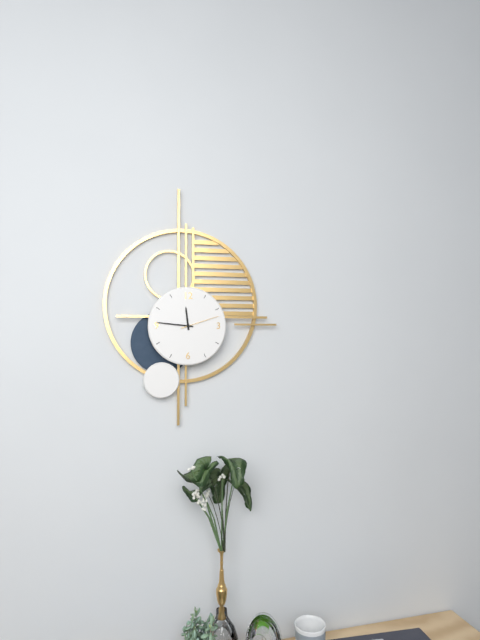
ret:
11,46
